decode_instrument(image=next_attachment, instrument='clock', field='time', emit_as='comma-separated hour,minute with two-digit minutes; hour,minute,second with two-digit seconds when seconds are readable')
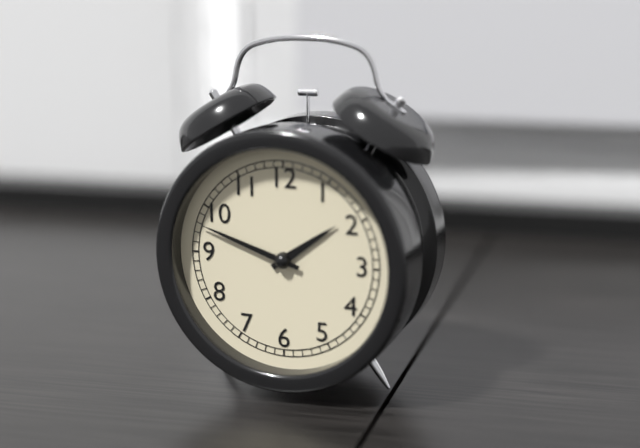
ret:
1,48
